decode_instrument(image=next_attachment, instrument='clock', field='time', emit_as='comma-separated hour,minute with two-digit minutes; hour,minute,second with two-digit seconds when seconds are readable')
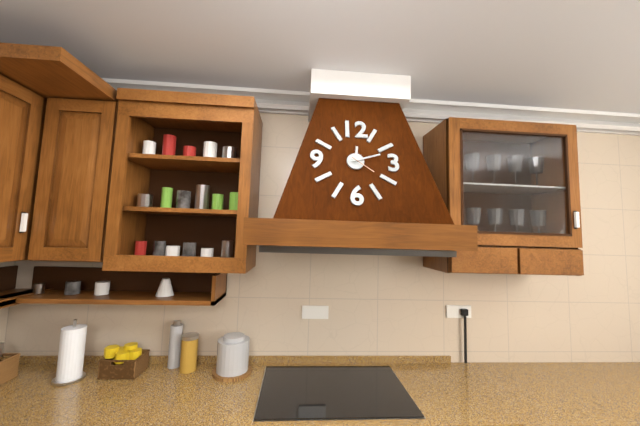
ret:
12,12
